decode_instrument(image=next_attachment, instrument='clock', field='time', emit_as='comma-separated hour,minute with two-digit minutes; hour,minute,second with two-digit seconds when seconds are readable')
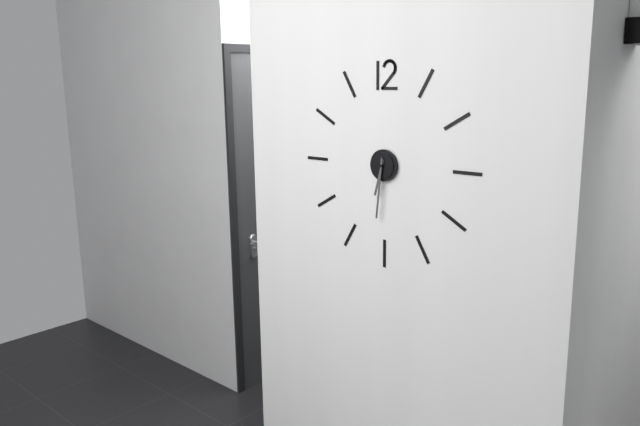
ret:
6,31
